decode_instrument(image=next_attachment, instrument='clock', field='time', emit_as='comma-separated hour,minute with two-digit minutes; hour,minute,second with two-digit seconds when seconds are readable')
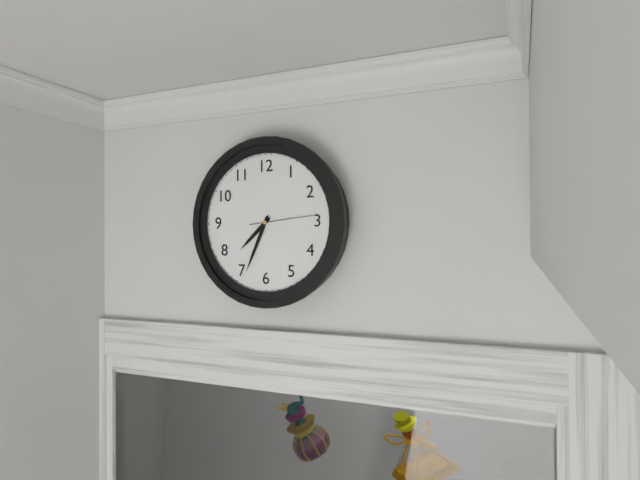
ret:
7,34,14
